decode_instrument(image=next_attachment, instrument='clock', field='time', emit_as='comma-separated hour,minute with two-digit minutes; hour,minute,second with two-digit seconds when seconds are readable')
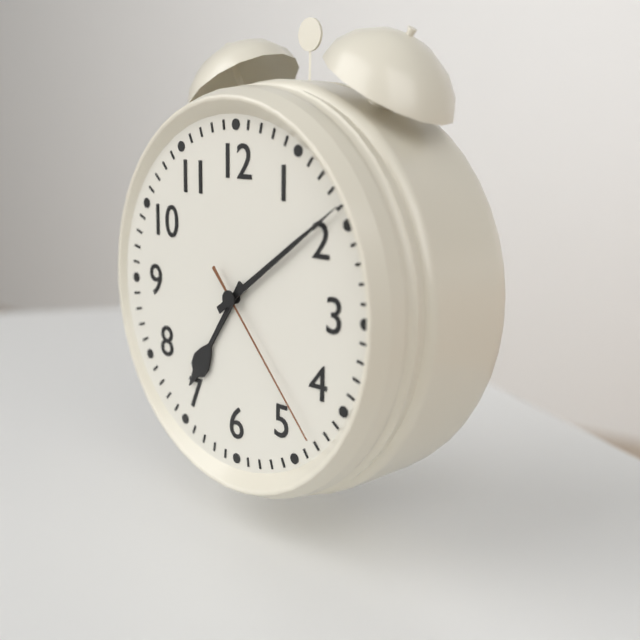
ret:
7,09,23
